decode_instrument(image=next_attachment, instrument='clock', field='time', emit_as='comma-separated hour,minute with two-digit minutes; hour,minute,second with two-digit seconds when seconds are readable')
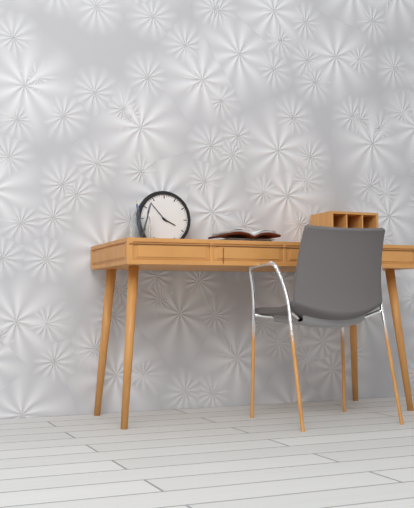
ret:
3,53
